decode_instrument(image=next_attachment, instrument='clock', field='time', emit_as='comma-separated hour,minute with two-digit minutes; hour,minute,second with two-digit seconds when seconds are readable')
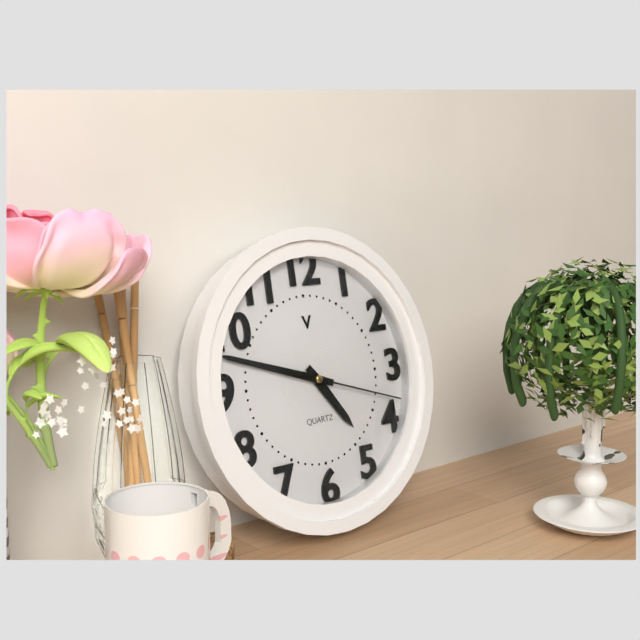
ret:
4,48,18
